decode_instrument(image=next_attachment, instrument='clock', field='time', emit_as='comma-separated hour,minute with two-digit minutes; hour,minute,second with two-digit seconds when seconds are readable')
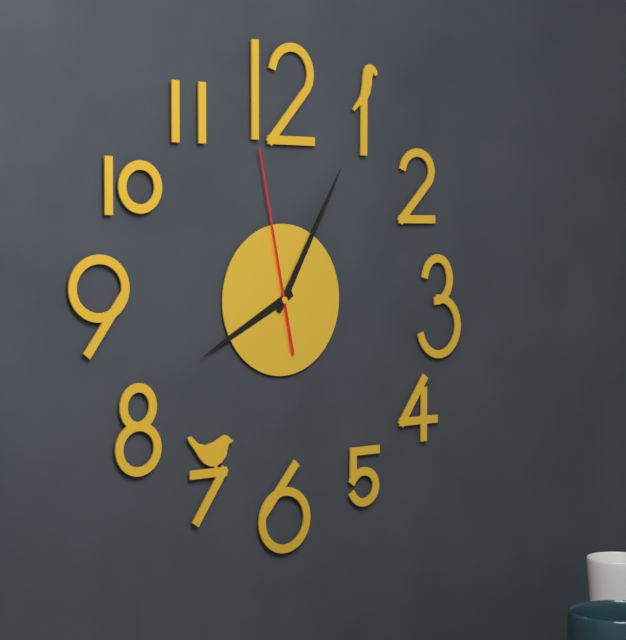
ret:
8,05,58
